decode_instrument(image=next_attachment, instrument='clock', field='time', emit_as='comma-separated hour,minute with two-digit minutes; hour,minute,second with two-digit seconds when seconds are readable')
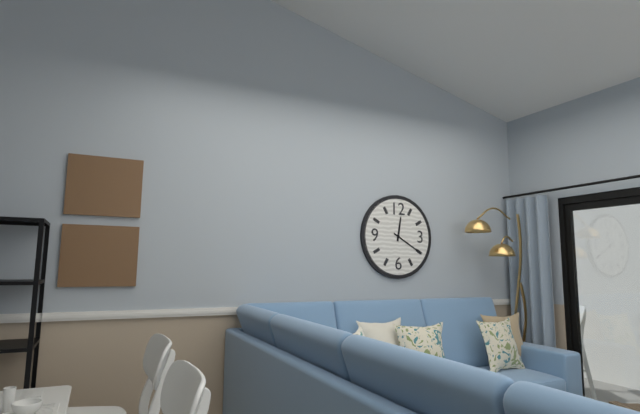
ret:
12,20
